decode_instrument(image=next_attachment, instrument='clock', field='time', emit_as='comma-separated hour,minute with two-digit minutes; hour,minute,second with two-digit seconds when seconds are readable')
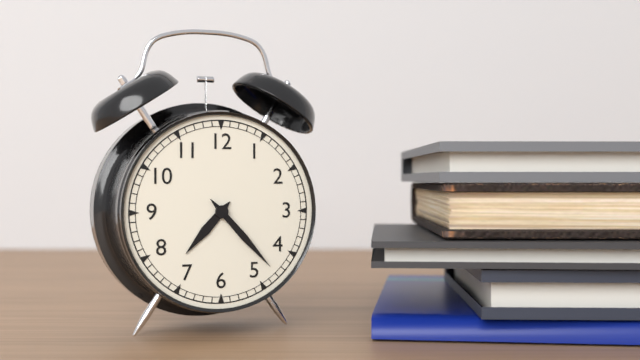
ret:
7,23
